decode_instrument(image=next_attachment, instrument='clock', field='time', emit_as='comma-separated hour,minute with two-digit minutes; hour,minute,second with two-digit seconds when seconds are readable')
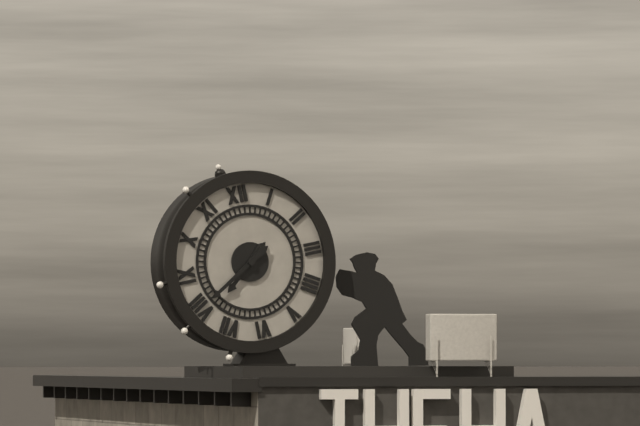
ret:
7,40
